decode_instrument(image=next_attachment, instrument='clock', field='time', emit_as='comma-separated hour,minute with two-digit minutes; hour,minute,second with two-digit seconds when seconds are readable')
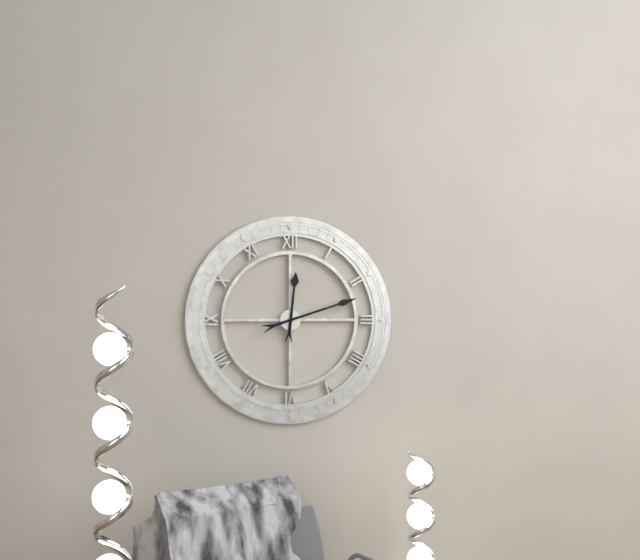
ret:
12,12
